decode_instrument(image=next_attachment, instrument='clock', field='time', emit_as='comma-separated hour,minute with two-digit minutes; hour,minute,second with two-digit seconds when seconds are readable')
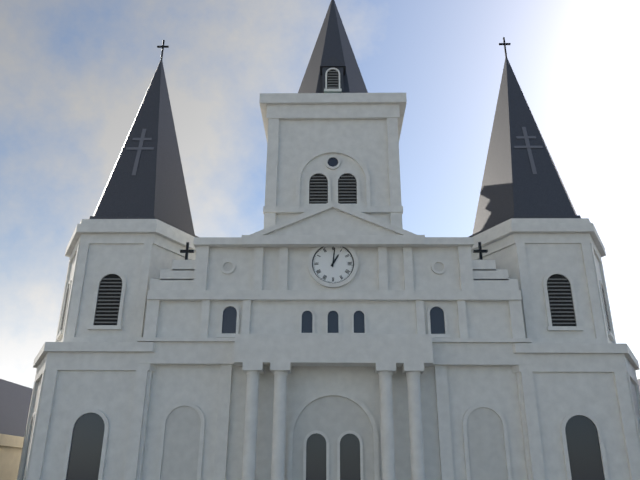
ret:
1,01
